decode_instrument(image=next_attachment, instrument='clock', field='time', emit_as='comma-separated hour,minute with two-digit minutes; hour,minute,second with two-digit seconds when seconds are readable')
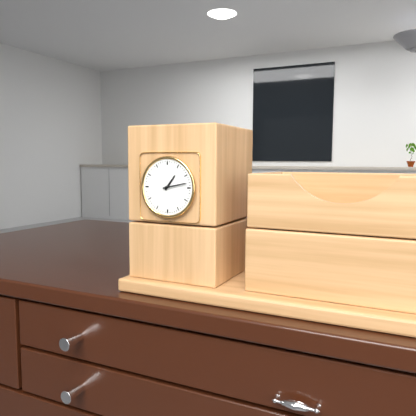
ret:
1,13
